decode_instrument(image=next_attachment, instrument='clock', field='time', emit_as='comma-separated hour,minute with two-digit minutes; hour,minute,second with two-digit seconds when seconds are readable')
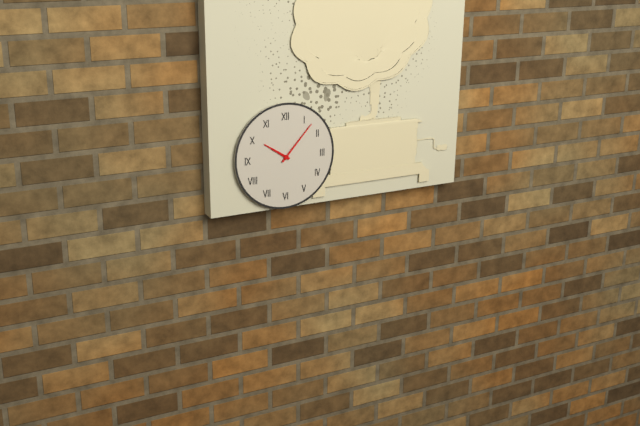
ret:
10,07
